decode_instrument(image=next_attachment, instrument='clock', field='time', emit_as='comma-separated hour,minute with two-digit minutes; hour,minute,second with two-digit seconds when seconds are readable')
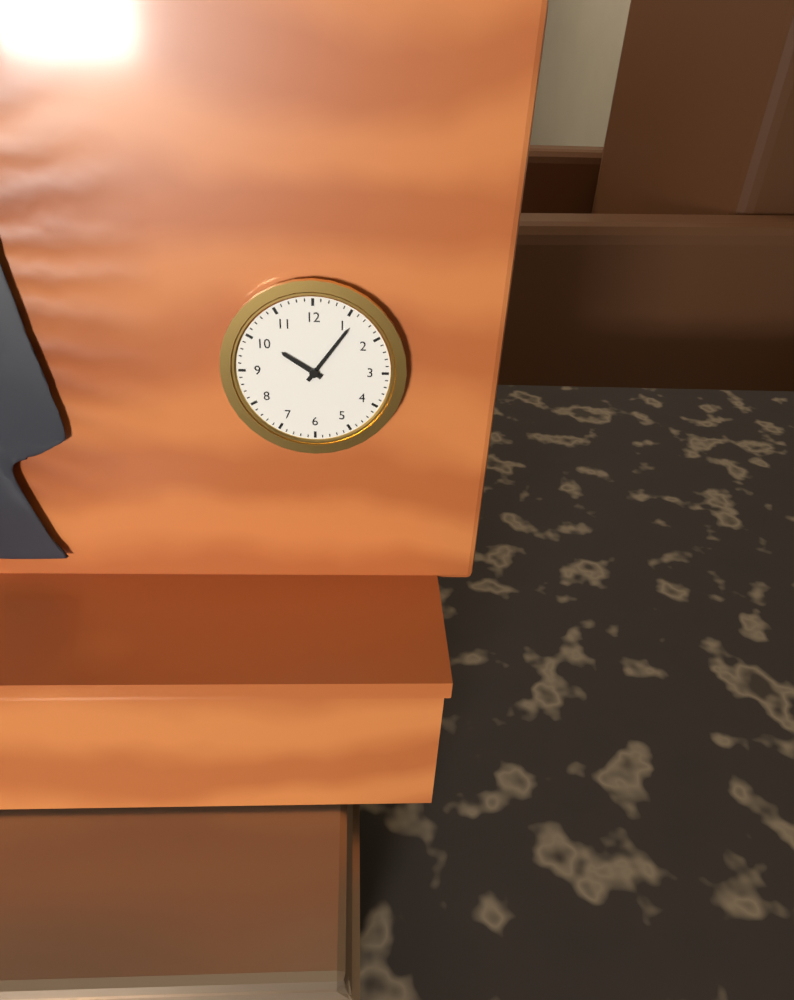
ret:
10,06
